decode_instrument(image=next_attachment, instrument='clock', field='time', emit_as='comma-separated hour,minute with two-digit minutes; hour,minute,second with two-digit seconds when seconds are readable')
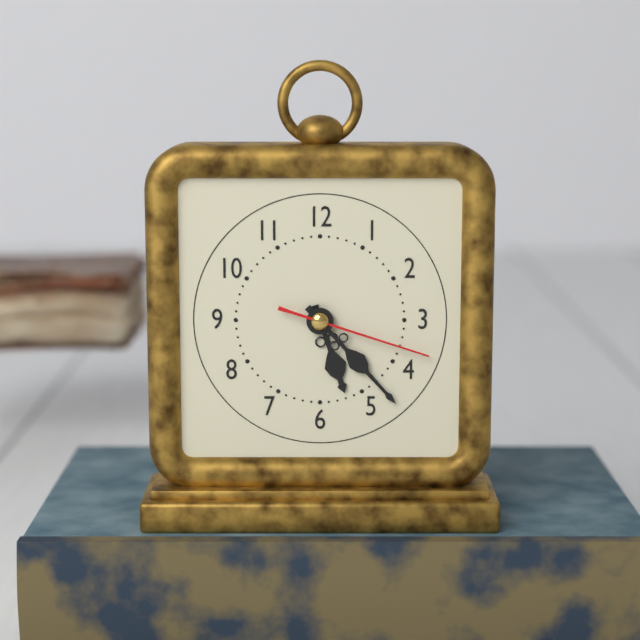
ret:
5,23,18
